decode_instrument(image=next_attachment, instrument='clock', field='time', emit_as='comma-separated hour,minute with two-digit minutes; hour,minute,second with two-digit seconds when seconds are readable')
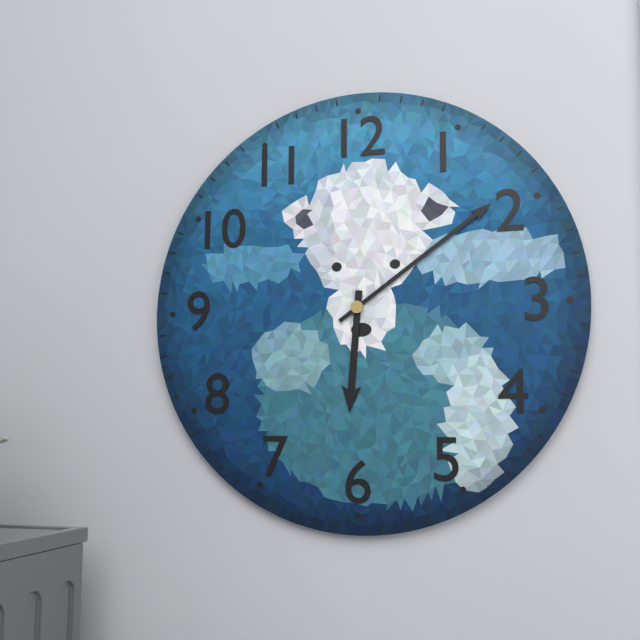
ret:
6,09
